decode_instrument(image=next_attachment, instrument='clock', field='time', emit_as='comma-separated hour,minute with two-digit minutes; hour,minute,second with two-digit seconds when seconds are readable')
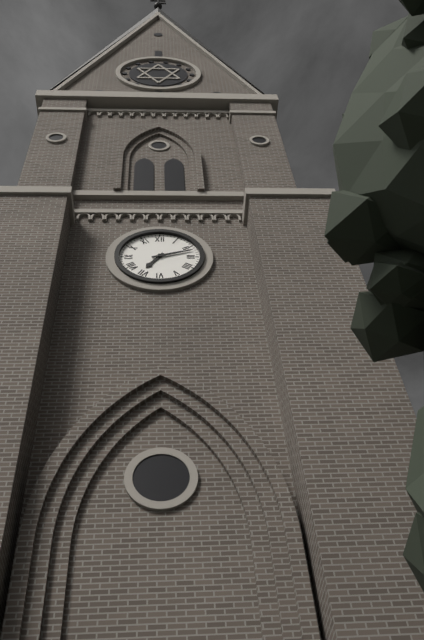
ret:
7,12
